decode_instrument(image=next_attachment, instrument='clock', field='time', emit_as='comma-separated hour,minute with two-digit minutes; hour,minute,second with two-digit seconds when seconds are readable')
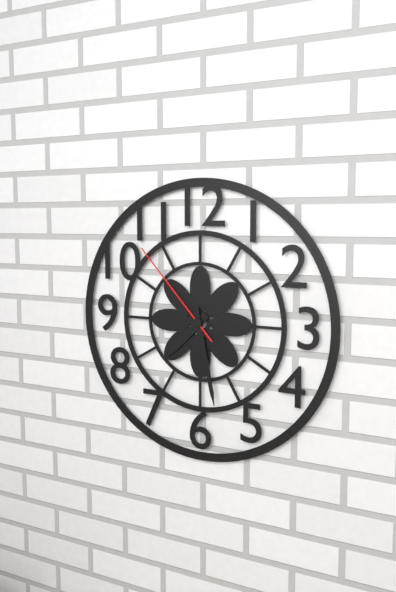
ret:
7,28,53
